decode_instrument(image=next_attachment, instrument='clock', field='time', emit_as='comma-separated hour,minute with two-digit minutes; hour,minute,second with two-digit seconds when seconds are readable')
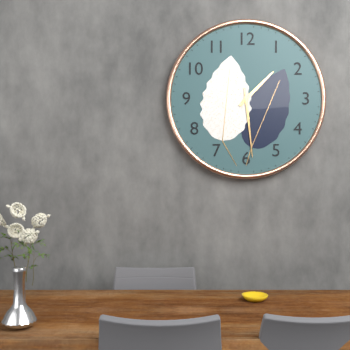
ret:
1,29
